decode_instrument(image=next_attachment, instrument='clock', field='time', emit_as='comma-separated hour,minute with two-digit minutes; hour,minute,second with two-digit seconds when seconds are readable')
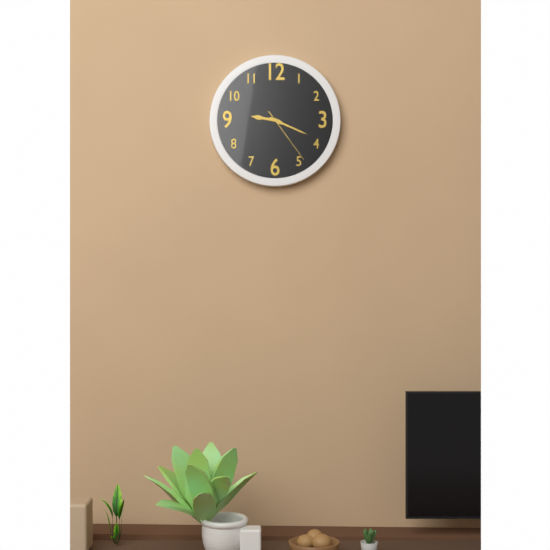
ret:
9,19,24
